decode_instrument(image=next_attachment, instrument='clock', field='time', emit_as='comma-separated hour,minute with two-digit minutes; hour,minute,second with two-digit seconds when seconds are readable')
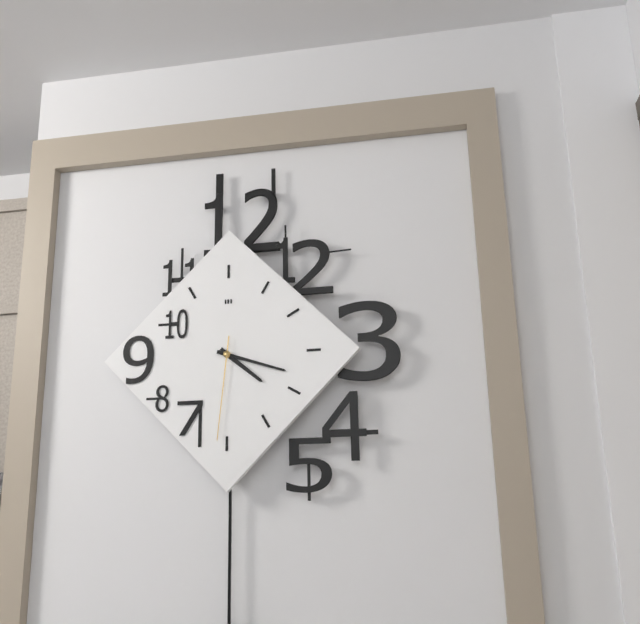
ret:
4,18,31
